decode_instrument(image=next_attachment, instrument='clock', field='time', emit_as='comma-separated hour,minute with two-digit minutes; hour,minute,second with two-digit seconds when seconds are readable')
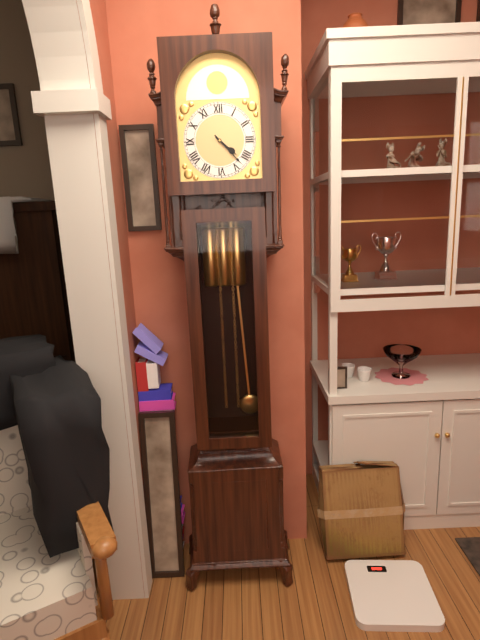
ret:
4,23
